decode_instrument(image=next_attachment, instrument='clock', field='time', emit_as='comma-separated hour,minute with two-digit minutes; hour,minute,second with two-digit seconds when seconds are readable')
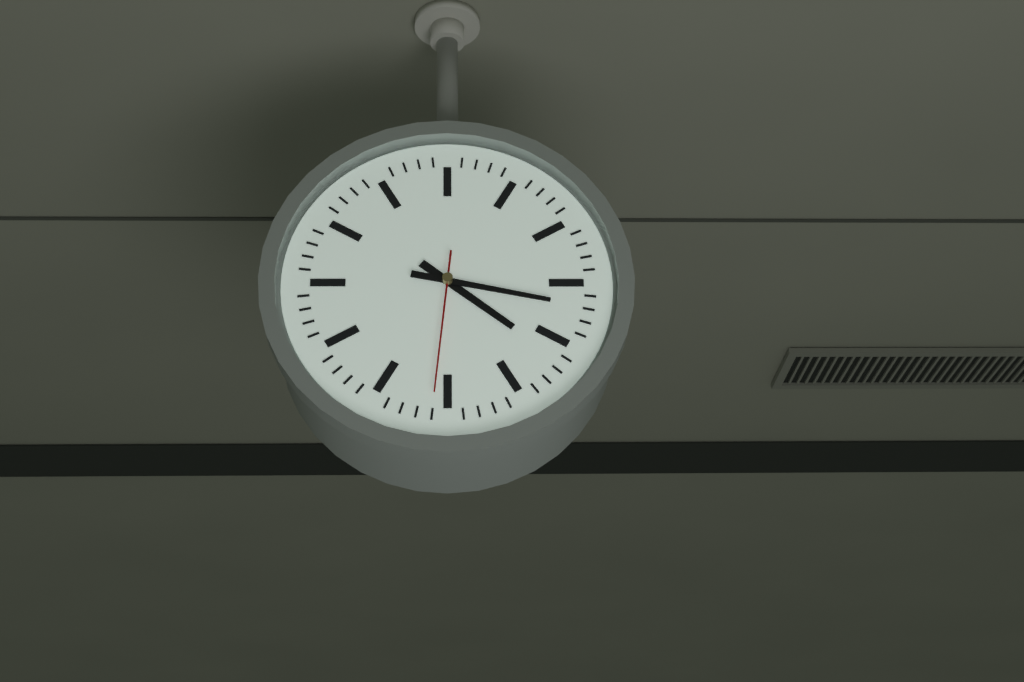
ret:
4,17,31
